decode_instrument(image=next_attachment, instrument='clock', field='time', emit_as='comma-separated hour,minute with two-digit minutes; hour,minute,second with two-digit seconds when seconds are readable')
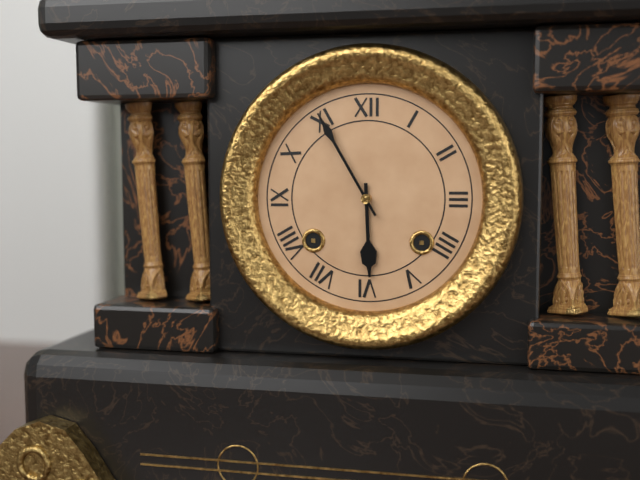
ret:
5,55
